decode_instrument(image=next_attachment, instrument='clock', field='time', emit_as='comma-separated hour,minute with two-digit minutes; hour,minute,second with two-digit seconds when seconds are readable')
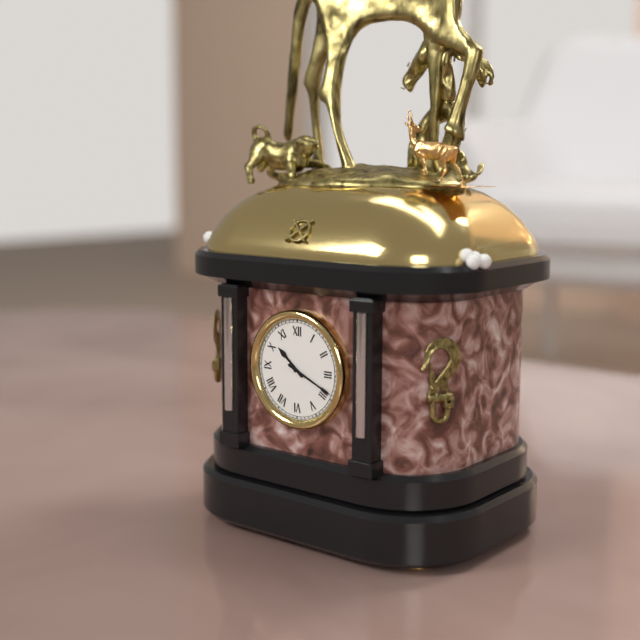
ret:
10,19
